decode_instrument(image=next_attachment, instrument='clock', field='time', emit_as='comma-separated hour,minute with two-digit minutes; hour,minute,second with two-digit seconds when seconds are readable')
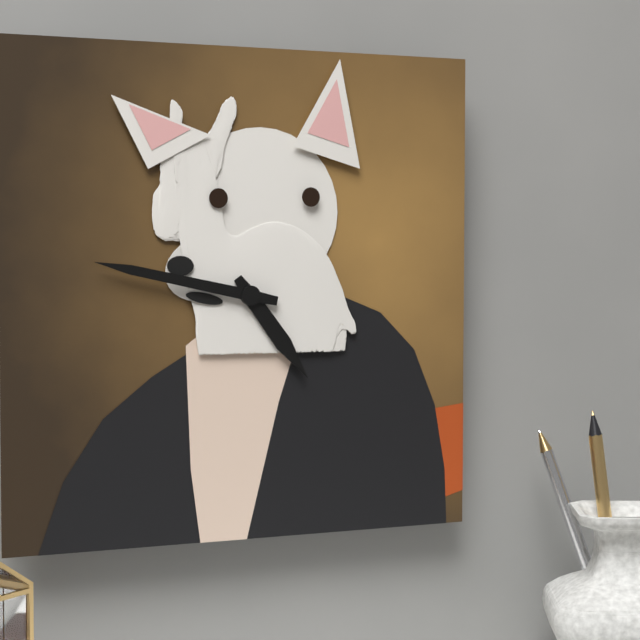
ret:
4,47
